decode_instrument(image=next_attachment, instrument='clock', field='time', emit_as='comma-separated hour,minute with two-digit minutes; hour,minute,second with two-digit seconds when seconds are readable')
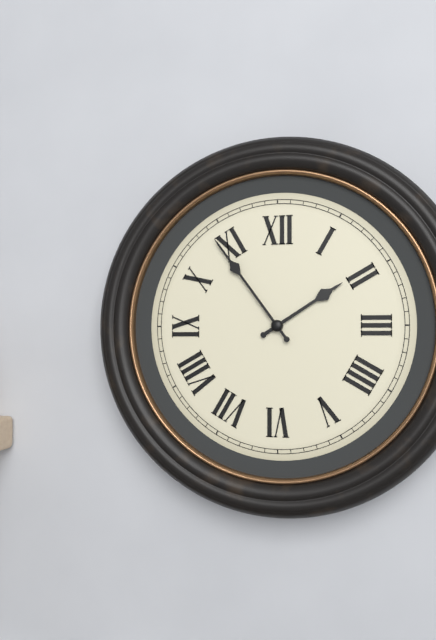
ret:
1,54
